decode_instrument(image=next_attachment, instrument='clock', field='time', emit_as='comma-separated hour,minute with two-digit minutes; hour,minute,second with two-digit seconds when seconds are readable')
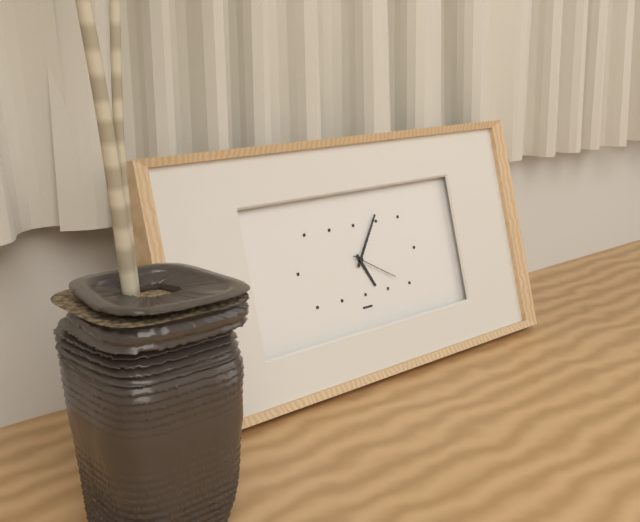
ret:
5,06
